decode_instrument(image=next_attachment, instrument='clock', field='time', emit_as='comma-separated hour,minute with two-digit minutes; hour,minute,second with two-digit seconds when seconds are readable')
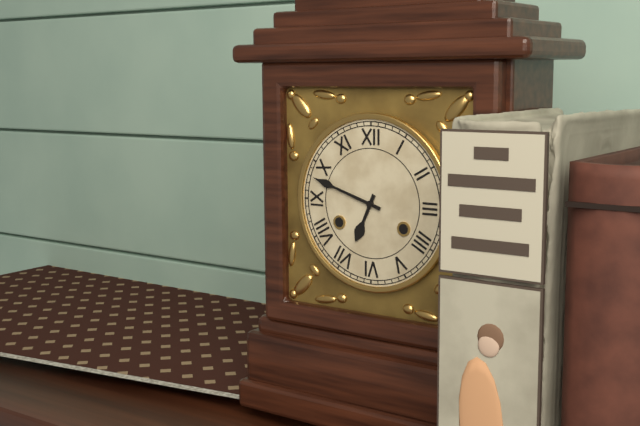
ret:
6,48
